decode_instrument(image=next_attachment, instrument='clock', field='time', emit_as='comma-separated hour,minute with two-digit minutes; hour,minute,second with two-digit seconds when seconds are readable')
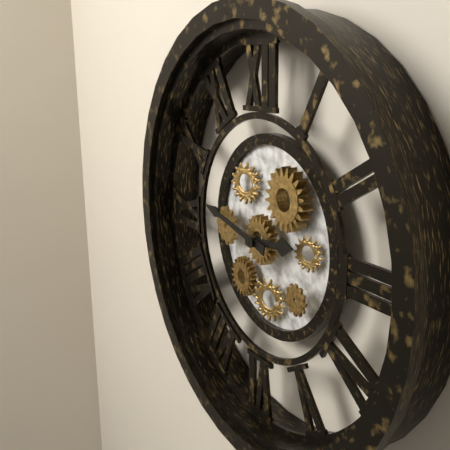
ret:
2,47
